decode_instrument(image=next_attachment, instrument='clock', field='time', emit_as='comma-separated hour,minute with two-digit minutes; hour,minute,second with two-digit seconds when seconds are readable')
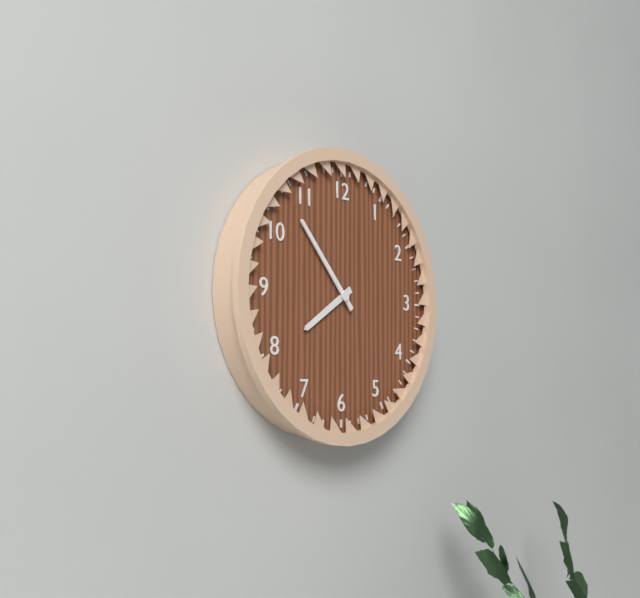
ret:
7,53
